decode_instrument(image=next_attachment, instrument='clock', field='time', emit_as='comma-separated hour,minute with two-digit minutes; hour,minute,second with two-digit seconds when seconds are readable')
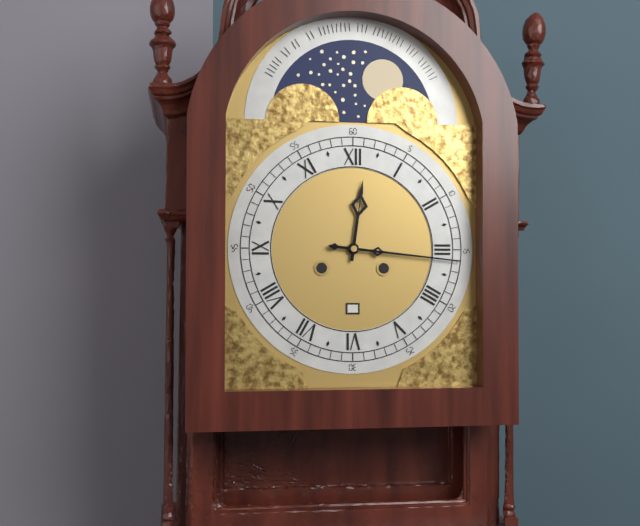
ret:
12,16
